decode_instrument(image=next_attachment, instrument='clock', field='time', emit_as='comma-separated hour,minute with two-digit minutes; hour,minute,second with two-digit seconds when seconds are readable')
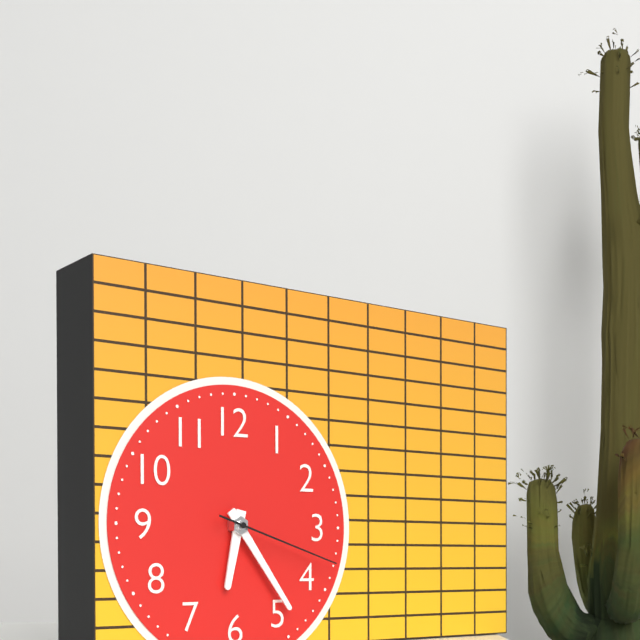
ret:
6,24,18
